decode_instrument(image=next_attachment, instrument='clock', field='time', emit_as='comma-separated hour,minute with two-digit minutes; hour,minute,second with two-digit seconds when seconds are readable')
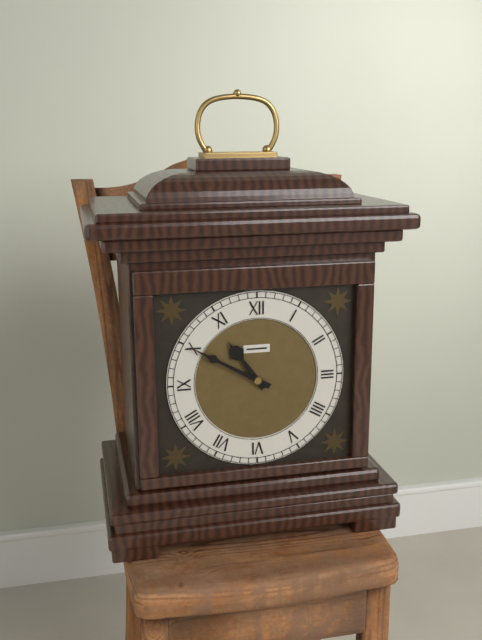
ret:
10,50
